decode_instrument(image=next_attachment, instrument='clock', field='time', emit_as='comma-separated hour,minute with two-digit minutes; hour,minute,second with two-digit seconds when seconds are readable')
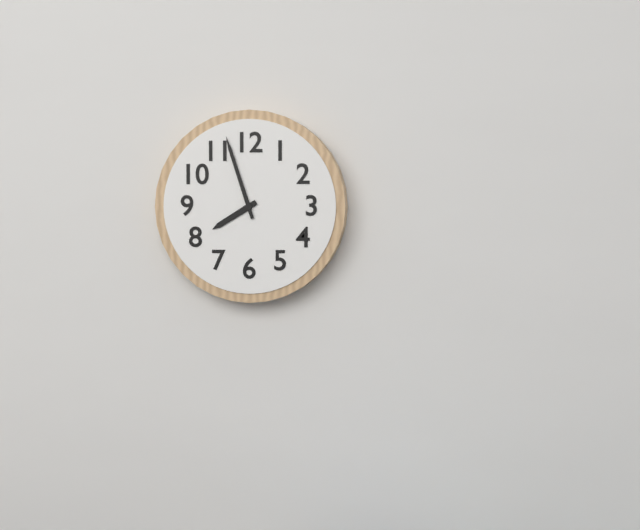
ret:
7,57
